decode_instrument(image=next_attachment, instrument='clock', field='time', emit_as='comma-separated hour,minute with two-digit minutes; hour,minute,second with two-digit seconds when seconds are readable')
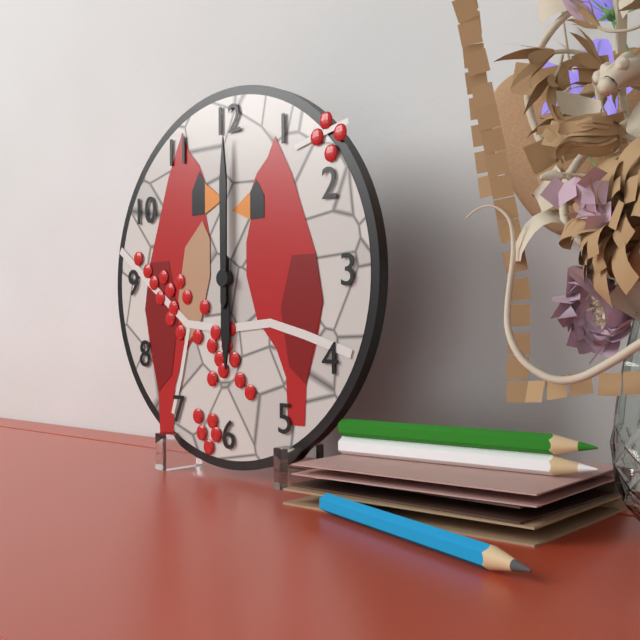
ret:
6,00
